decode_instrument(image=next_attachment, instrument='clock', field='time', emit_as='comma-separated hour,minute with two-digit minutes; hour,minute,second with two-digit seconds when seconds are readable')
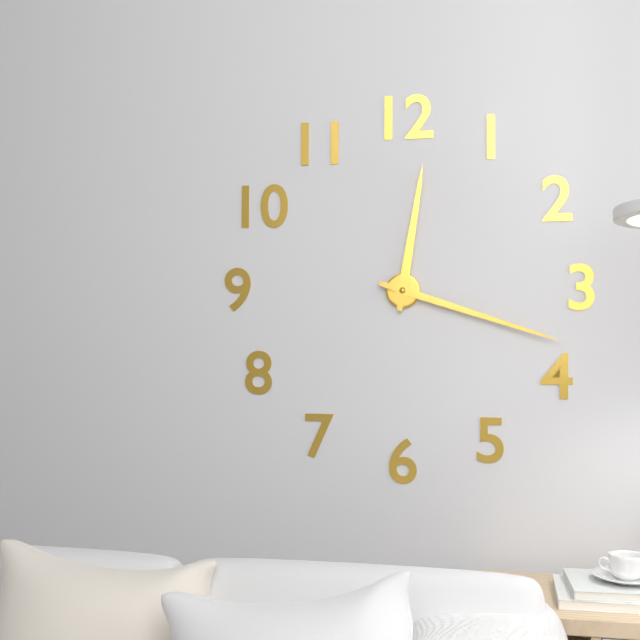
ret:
12,18
